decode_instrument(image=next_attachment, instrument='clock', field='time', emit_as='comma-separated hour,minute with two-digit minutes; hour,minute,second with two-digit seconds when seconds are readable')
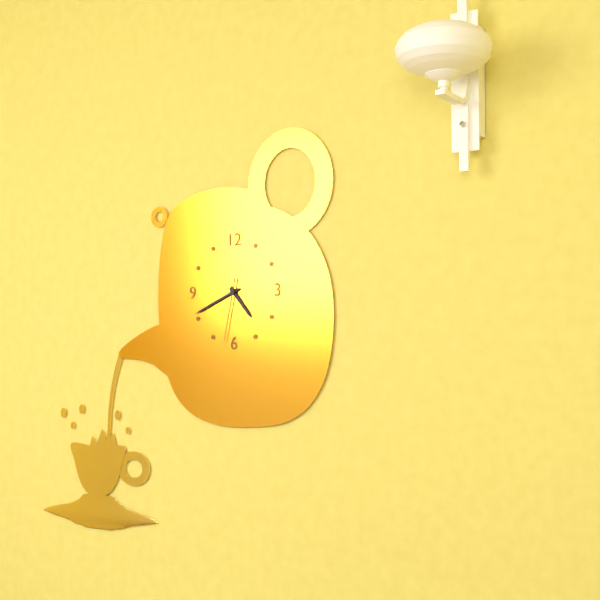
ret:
4,41,32
